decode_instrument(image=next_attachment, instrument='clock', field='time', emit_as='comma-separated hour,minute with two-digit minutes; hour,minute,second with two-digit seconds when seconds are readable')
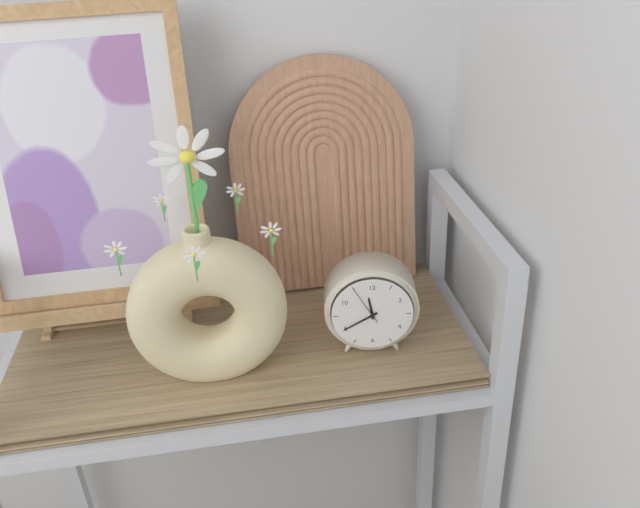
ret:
11,40
